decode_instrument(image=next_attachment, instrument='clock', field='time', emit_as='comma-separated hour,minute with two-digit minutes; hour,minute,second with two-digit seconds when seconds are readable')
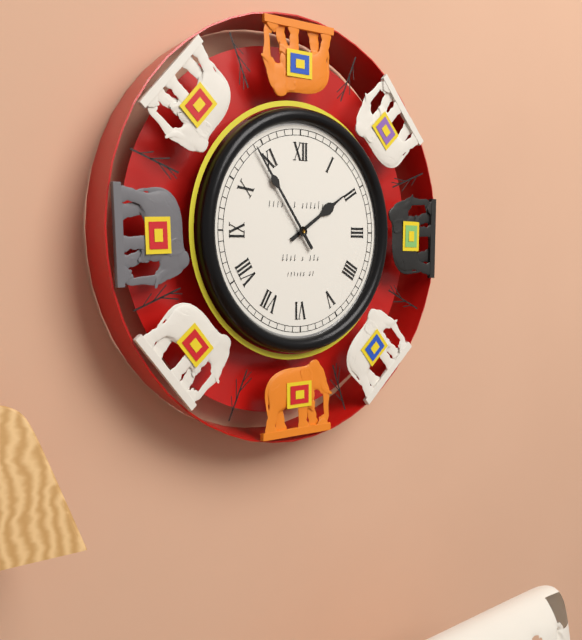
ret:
1,54
